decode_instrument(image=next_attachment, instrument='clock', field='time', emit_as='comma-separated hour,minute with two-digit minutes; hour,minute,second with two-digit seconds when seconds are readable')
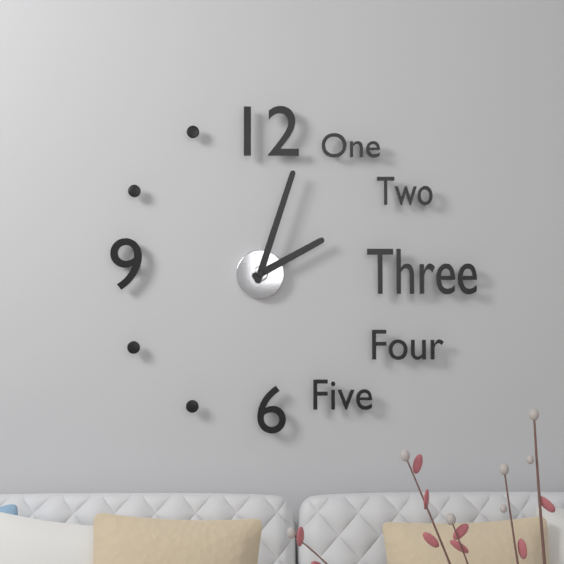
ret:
2,03
